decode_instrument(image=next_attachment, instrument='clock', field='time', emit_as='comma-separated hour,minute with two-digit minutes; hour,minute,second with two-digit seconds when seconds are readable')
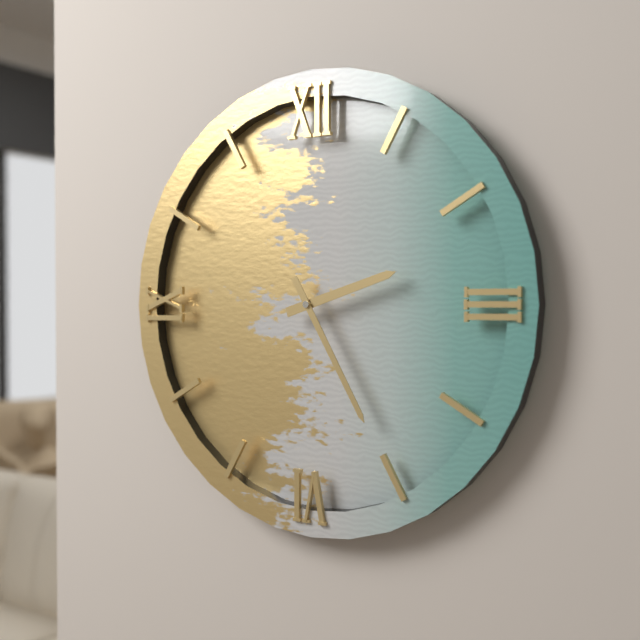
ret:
2,25
